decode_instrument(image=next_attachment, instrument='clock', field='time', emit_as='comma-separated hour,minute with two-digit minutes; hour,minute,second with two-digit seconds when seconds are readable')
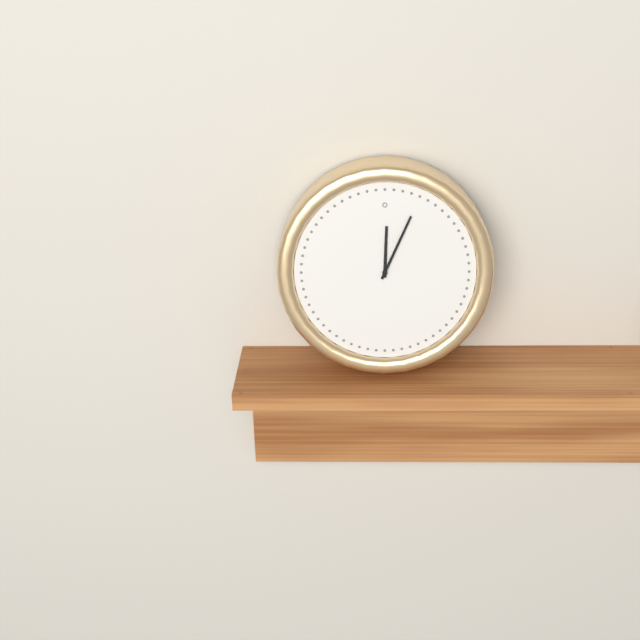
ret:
12,04
